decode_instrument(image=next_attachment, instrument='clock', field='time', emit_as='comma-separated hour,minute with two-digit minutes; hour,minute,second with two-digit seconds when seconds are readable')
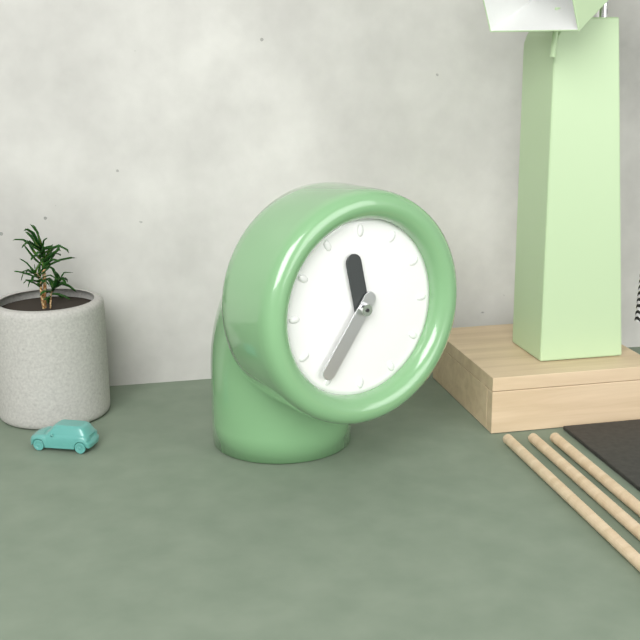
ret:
11,36
